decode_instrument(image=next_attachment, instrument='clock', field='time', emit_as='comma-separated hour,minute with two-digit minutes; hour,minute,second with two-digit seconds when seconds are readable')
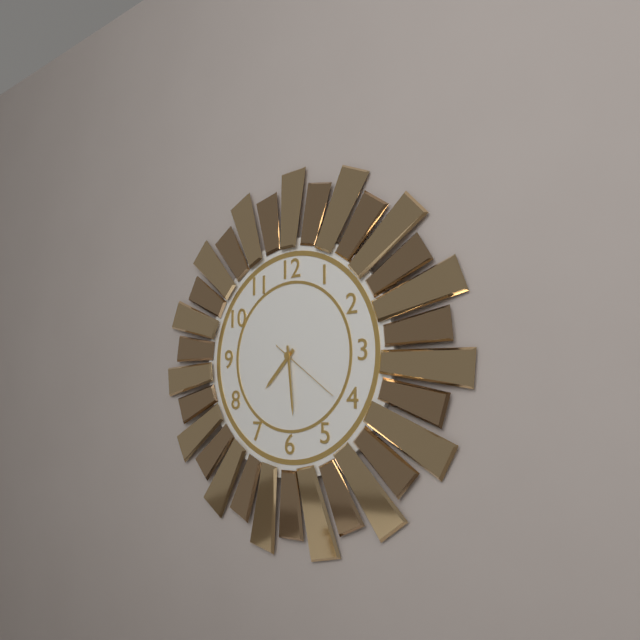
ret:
7,29,21
